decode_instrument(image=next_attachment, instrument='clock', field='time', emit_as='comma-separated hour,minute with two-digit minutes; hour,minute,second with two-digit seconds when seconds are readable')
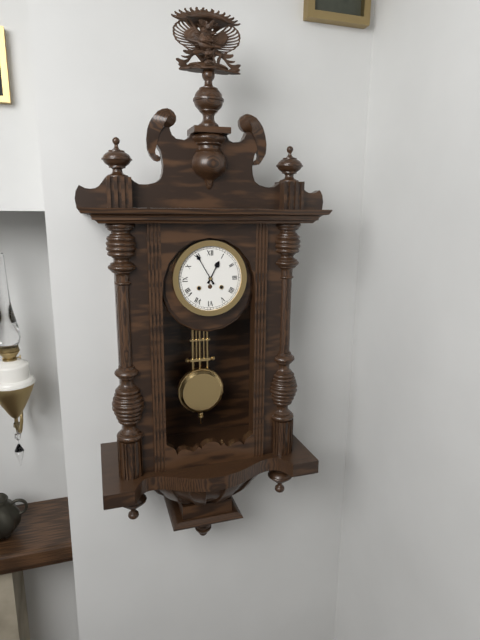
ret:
12,55
